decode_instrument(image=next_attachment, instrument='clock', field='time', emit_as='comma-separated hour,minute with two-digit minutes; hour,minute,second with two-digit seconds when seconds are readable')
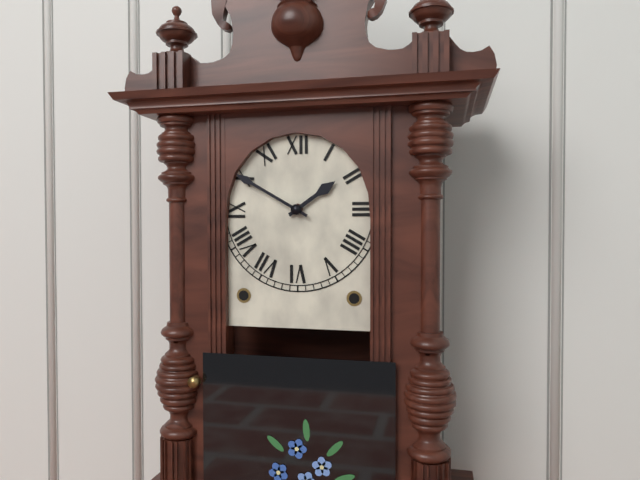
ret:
1,50
